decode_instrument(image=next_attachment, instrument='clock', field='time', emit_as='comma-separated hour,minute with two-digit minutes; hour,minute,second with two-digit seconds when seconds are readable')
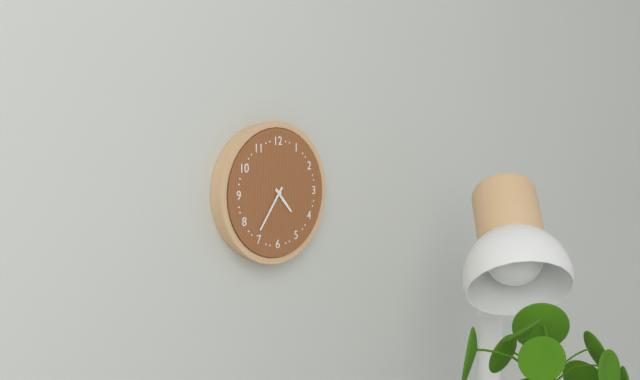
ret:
4,36
